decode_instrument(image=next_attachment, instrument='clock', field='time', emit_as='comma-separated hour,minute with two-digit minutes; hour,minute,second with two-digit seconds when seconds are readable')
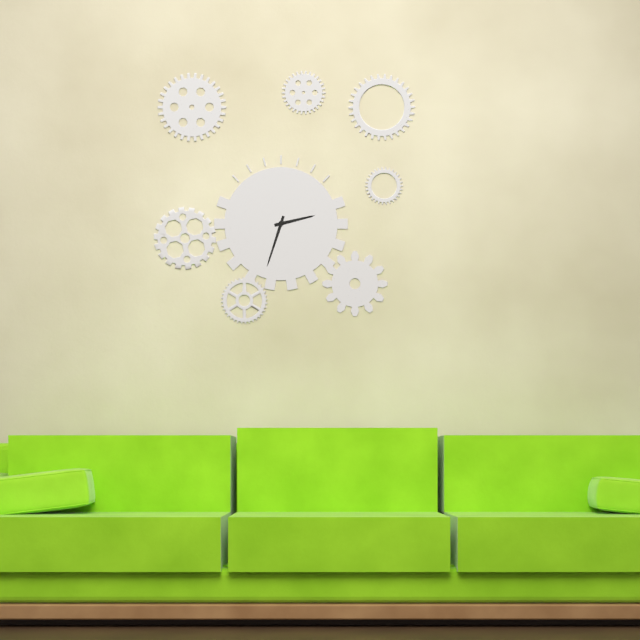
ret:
2,33
